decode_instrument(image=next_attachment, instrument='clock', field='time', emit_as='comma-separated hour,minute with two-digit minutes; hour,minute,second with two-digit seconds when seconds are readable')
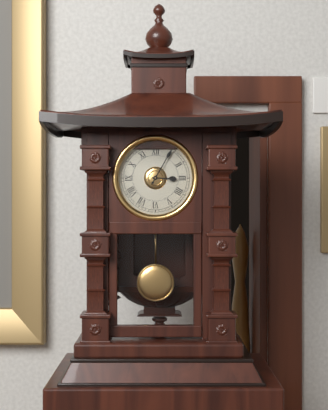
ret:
3,05
